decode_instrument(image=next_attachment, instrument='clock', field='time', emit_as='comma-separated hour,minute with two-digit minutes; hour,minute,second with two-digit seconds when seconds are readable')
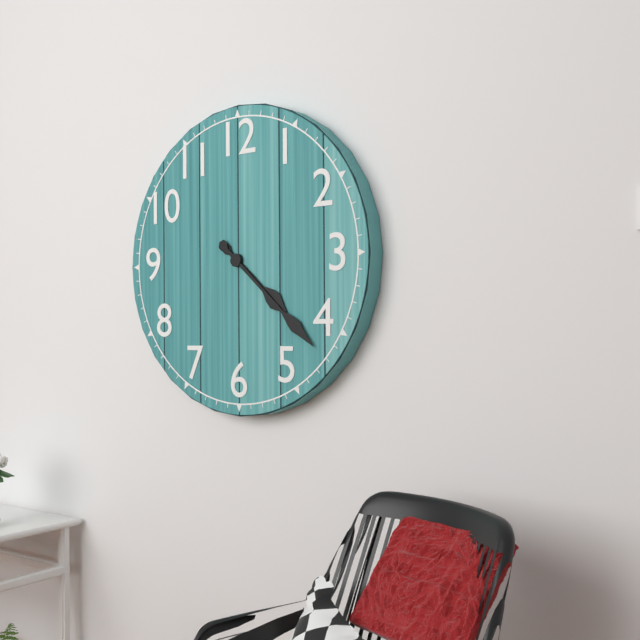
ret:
4,22
